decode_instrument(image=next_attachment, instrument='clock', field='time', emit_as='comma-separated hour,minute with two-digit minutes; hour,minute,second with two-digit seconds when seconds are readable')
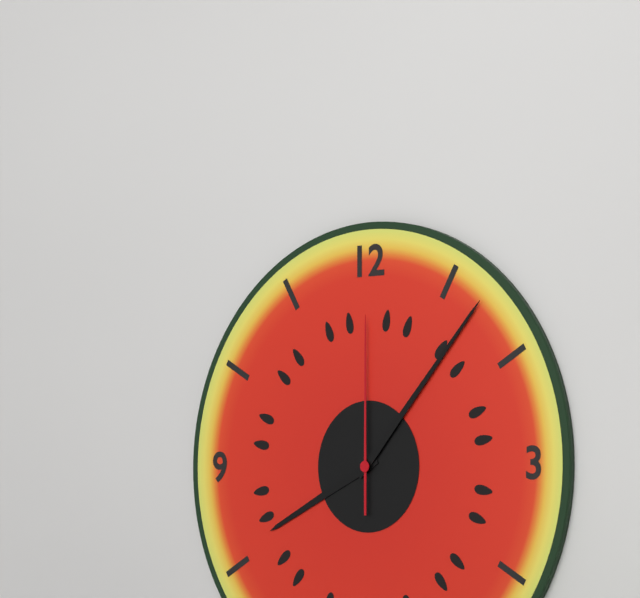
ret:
8,07,00
